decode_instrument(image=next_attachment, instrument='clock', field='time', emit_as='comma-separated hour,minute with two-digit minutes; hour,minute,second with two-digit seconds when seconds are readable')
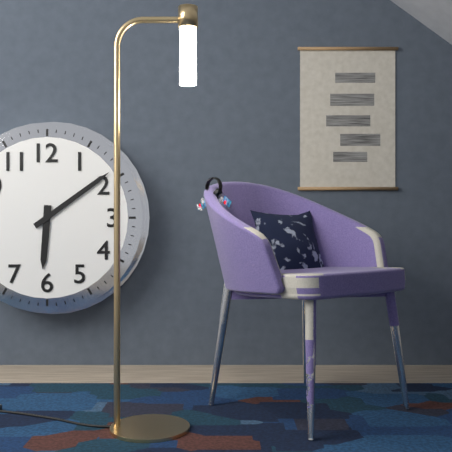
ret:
6,09
